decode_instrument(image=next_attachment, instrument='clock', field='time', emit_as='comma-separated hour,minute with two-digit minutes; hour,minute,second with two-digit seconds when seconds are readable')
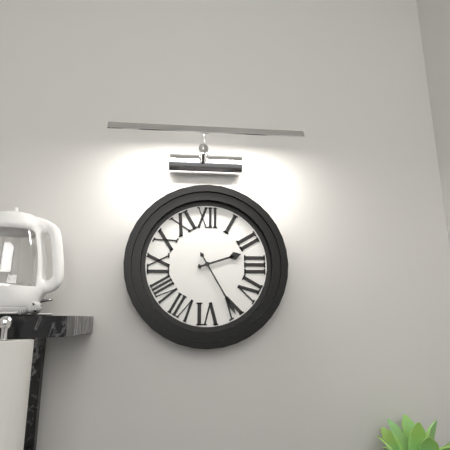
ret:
2,25
